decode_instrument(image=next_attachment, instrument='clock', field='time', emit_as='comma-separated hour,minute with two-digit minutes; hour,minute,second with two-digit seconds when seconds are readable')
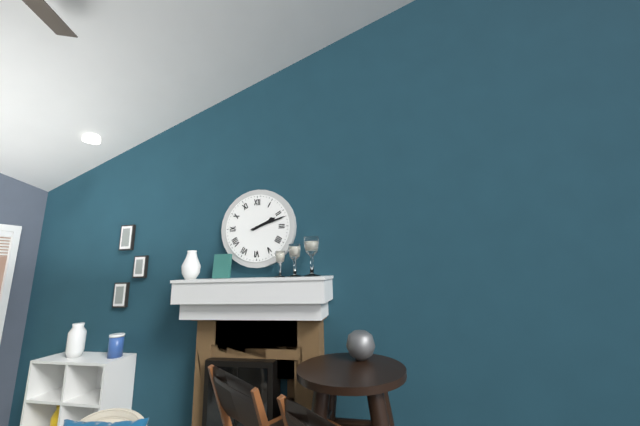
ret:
2,12
